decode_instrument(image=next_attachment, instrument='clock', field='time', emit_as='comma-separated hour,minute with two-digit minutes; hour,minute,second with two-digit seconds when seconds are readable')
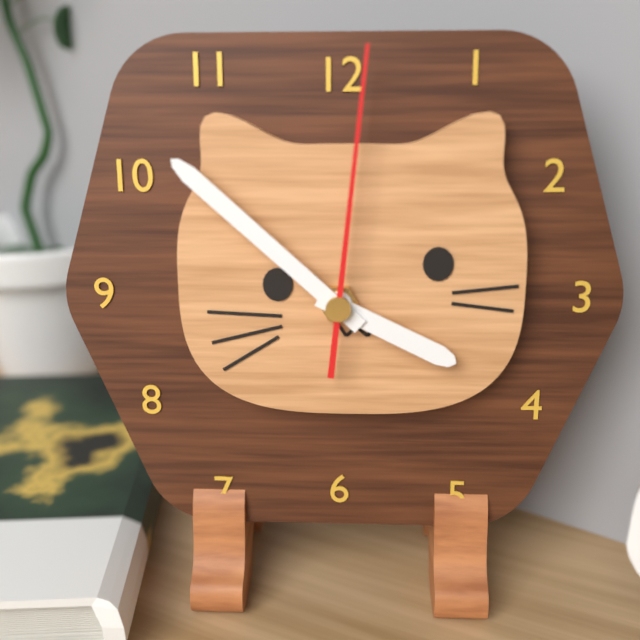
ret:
3,52,01
